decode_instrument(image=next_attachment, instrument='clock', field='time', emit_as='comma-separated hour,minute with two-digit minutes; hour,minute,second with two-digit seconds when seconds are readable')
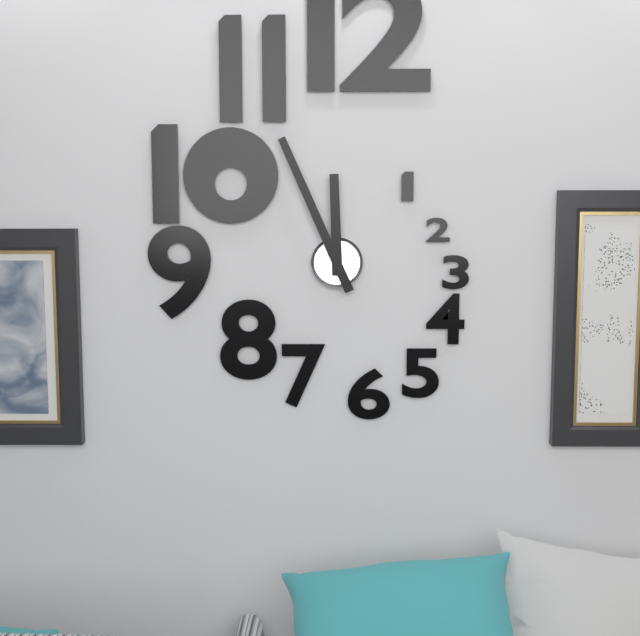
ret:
11,56
